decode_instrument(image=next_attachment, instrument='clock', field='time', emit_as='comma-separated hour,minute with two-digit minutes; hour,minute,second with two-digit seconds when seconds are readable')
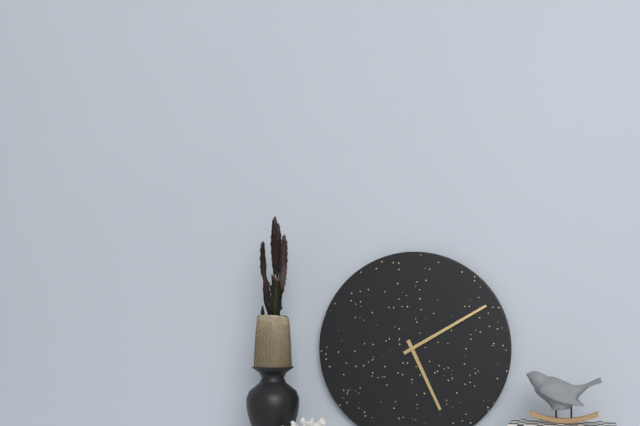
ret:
5,10
